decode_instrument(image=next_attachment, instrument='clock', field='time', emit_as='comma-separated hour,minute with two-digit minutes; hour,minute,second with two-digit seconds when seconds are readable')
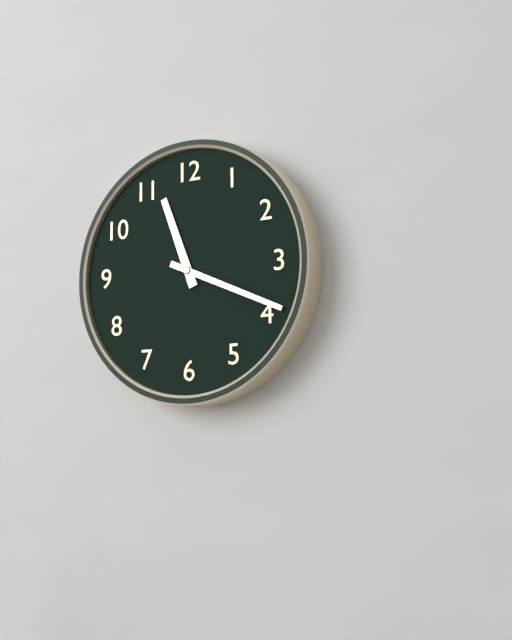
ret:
11,19
